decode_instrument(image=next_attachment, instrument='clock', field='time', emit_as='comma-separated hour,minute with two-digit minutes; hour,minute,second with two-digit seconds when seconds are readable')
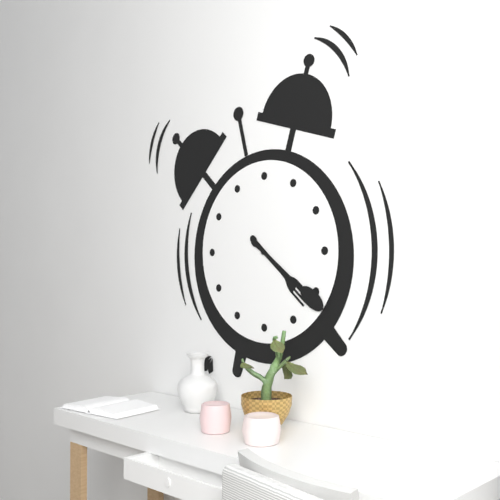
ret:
4,21
